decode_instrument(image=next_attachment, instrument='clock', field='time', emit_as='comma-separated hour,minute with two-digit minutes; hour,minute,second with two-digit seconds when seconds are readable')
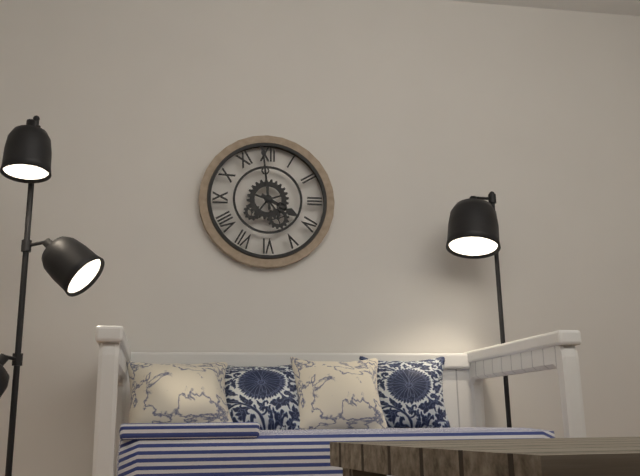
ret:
3,59
